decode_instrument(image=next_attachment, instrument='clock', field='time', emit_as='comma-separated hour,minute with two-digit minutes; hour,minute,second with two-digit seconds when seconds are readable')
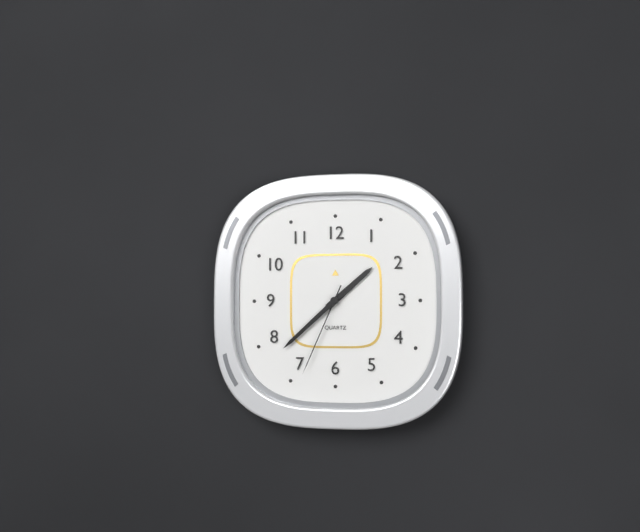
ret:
1,38,34
